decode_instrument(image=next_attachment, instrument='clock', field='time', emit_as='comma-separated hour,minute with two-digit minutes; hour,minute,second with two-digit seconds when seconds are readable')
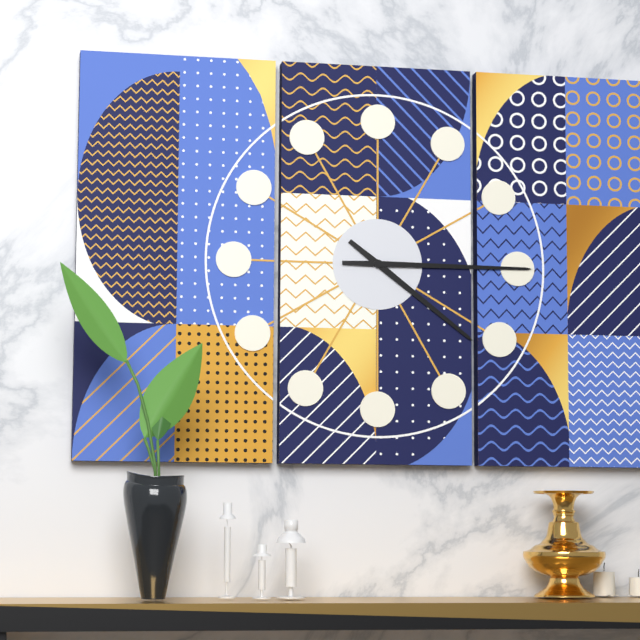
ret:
4,15
